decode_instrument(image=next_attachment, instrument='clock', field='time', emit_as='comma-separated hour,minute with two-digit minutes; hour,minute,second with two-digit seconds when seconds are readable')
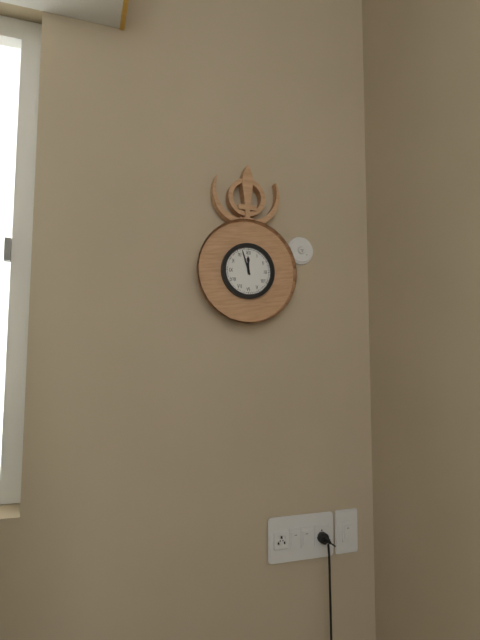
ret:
11,57
